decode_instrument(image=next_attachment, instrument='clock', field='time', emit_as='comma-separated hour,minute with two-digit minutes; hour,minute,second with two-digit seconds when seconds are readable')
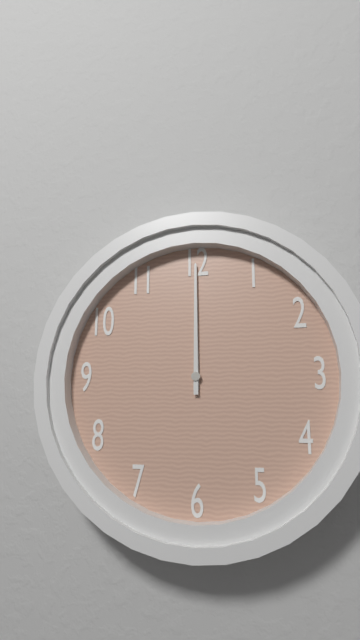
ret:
12,00
